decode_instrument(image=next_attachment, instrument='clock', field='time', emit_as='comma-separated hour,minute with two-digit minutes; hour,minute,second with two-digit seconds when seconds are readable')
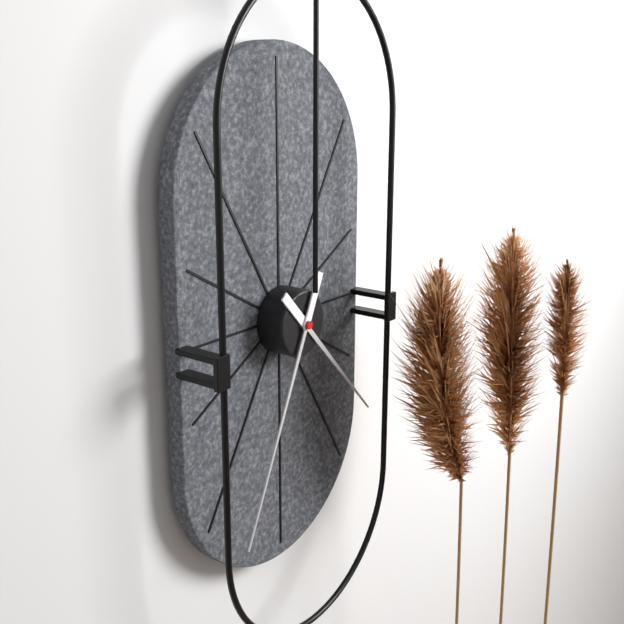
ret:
4,34
